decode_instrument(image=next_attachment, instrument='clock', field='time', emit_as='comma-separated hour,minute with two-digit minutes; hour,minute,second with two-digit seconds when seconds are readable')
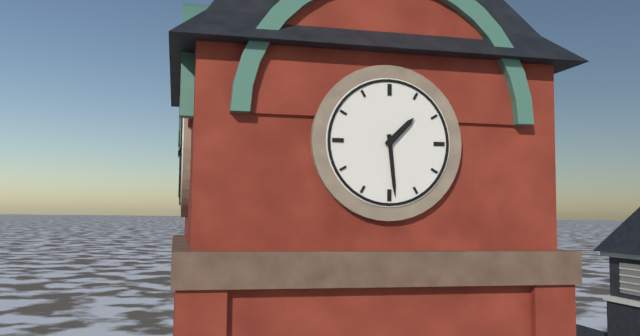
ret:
1,29
